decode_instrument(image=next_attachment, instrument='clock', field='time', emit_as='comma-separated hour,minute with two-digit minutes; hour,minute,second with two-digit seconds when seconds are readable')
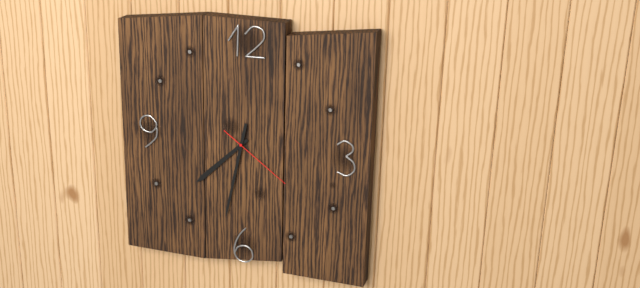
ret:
7,32,21
